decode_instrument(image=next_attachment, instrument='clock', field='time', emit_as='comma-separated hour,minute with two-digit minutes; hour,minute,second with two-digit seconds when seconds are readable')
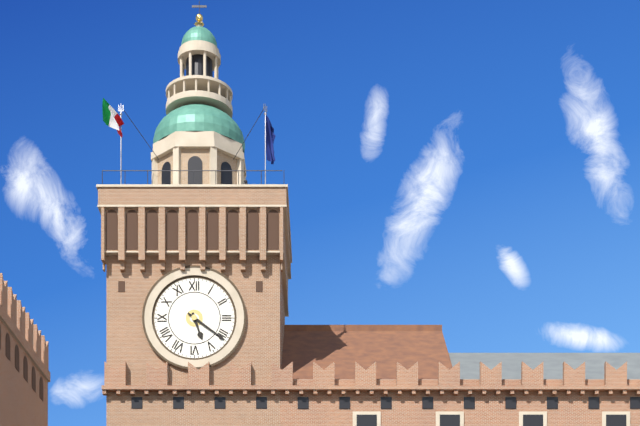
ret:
5,21
